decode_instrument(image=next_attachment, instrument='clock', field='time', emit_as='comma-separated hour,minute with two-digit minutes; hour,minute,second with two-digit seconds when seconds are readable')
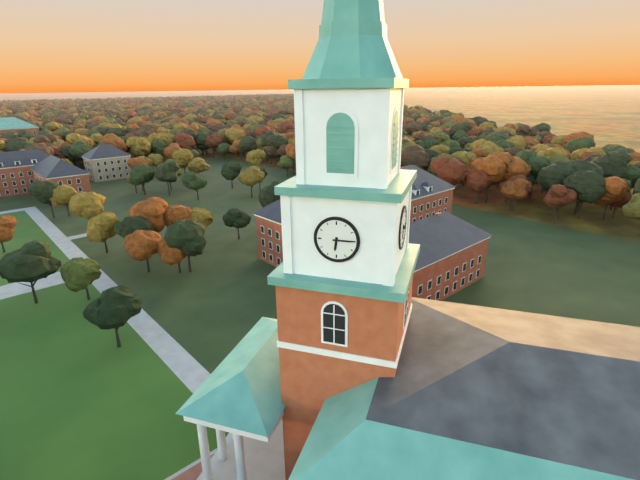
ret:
6,15
